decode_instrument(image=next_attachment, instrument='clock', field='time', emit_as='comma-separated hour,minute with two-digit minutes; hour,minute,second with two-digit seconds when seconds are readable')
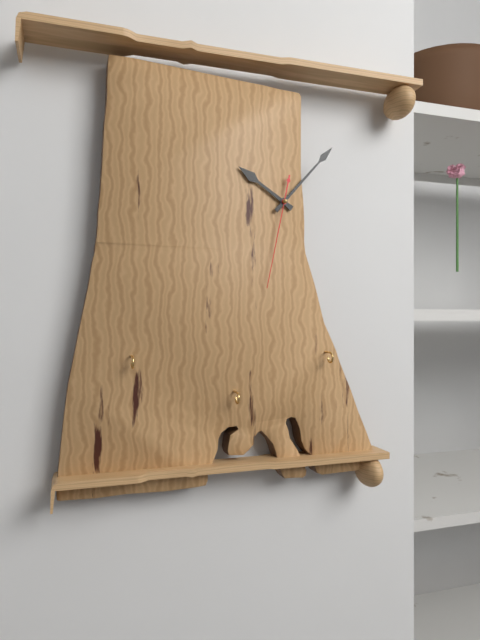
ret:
10,07,32
